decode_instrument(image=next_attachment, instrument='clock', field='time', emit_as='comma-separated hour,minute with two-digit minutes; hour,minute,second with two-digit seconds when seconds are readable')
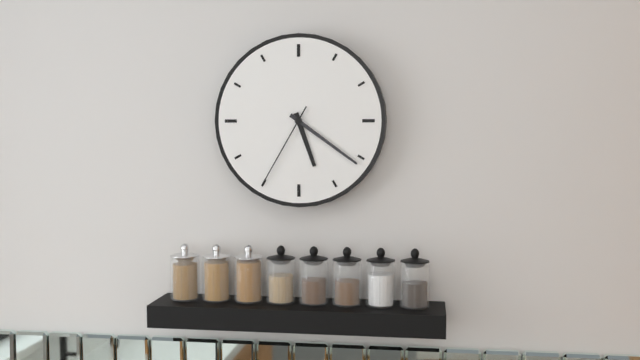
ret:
5,21,35
